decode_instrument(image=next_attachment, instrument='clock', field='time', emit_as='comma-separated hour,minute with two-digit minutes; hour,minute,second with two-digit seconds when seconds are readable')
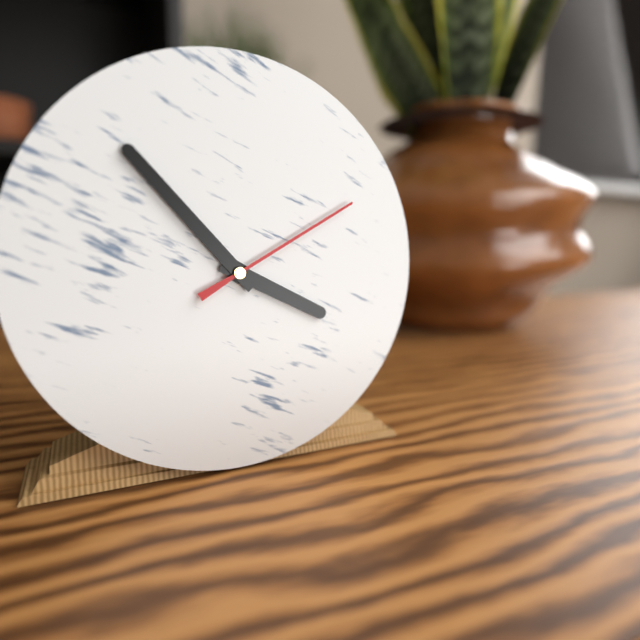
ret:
3,53,10
